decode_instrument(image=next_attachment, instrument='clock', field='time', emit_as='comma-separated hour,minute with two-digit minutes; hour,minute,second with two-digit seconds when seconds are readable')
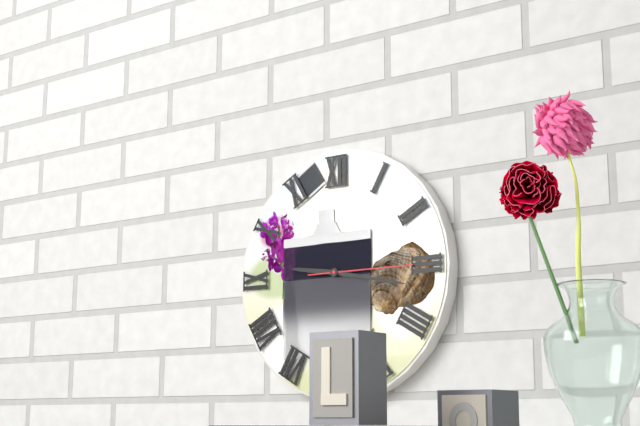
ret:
9,17,15
